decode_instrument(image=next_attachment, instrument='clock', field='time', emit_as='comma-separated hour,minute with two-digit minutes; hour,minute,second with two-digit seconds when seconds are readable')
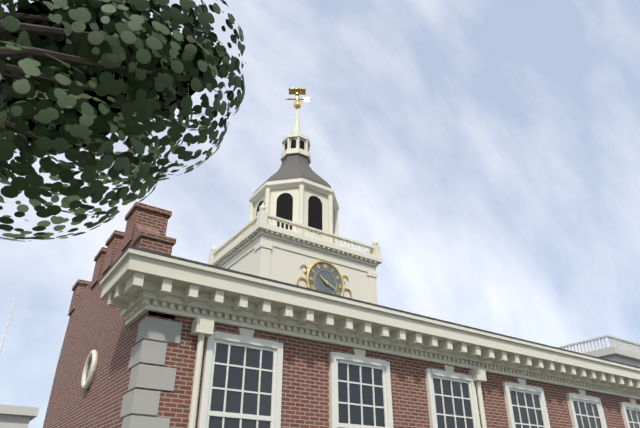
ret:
10,19
